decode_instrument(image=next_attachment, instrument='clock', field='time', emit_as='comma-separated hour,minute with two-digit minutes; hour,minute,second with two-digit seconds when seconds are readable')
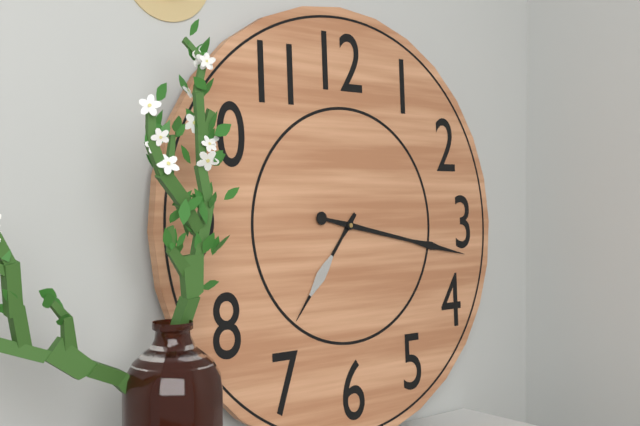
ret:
7,17
